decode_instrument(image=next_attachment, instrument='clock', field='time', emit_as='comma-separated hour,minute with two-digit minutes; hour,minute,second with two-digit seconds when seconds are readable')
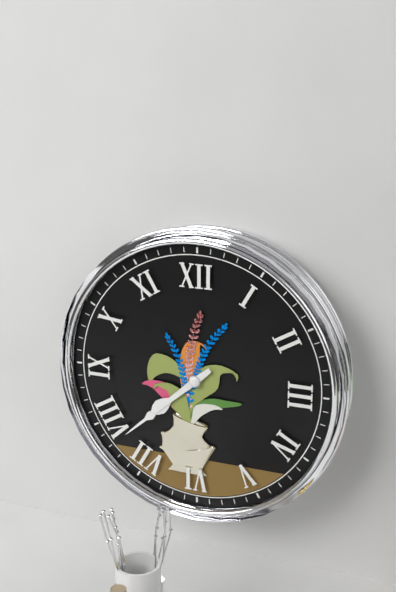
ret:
7,38
